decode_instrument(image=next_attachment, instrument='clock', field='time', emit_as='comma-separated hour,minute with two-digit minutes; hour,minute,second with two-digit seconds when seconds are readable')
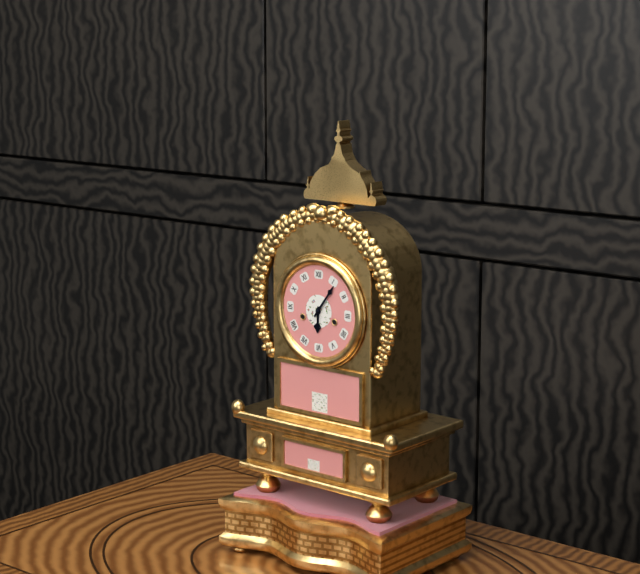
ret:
6,06
